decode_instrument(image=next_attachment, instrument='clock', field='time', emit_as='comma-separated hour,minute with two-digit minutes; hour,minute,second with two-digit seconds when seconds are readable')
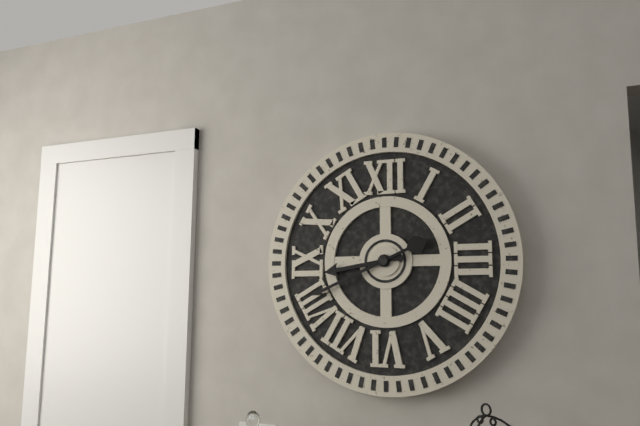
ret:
8,41
